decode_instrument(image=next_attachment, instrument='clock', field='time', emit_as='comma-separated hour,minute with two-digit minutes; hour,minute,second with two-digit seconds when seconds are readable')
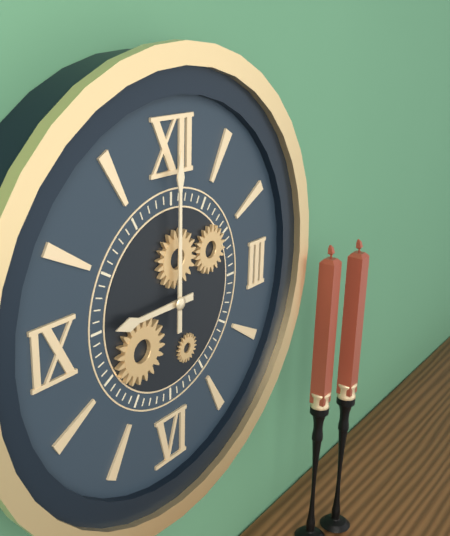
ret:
9,00
